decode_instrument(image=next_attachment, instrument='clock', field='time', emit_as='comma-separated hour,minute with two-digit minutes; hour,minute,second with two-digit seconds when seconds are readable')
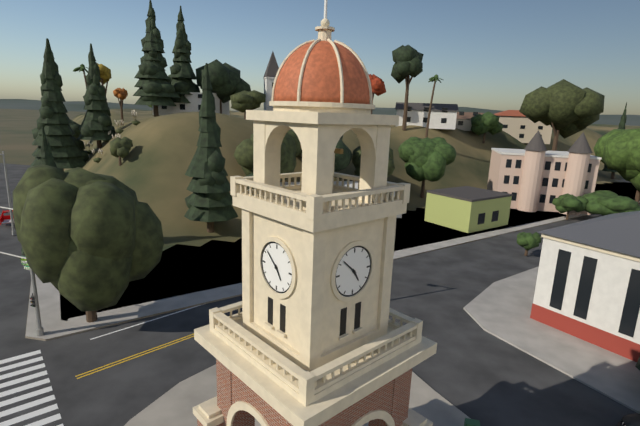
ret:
4,52
